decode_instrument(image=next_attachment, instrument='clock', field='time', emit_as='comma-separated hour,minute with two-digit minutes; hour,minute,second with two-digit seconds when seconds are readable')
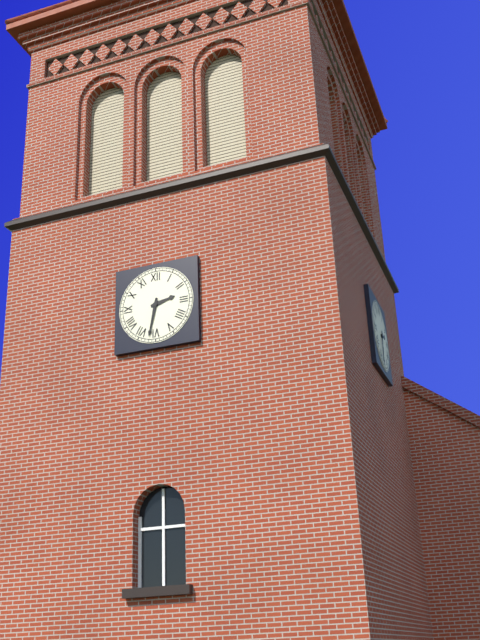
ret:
2,32
